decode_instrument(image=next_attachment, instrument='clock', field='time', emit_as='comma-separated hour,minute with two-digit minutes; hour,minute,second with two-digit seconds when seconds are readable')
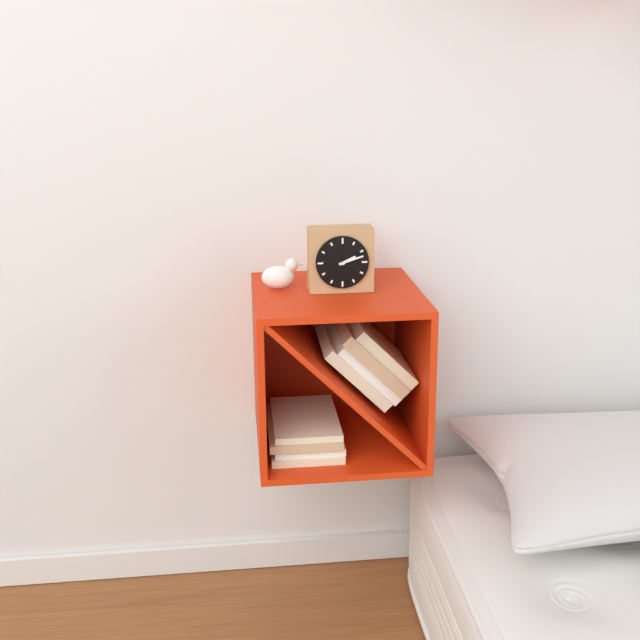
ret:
2,12
